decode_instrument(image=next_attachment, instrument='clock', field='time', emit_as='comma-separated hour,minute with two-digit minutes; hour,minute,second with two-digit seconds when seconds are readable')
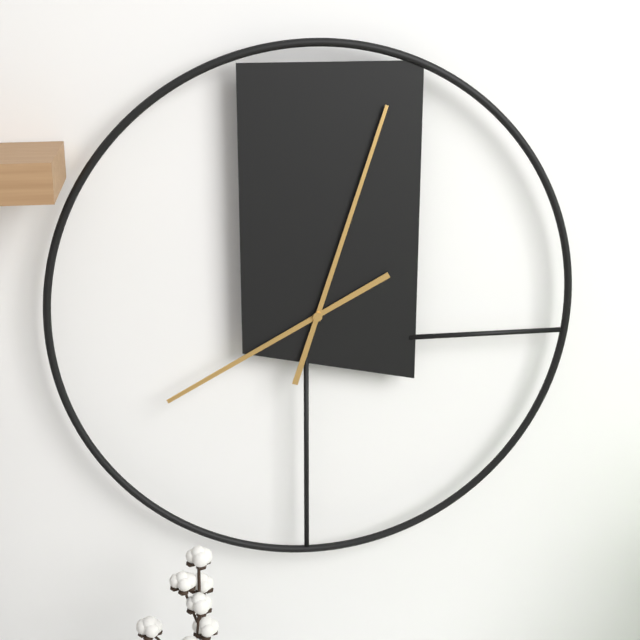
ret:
8,03
